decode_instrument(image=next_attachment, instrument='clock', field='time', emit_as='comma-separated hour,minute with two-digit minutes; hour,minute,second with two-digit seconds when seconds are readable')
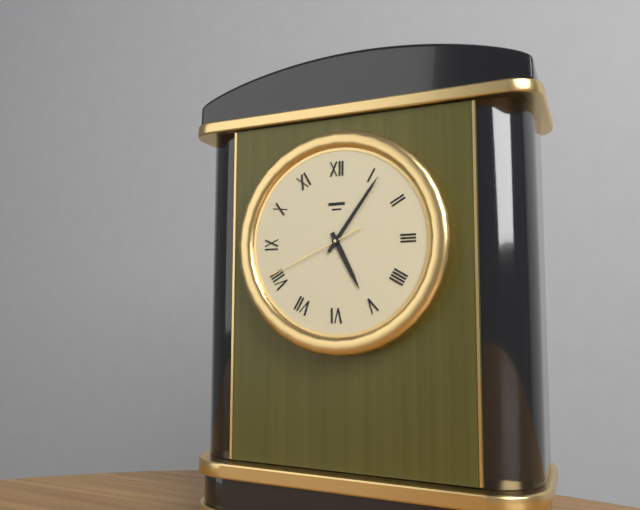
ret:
5,06,41
